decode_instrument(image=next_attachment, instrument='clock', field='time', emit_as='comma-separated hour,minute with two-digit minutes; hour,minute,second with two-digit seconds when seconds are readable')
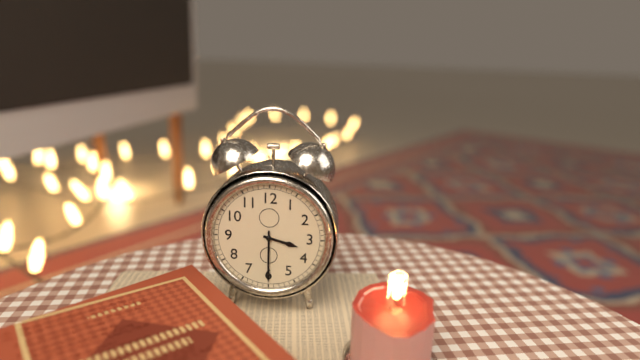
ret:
3,30
